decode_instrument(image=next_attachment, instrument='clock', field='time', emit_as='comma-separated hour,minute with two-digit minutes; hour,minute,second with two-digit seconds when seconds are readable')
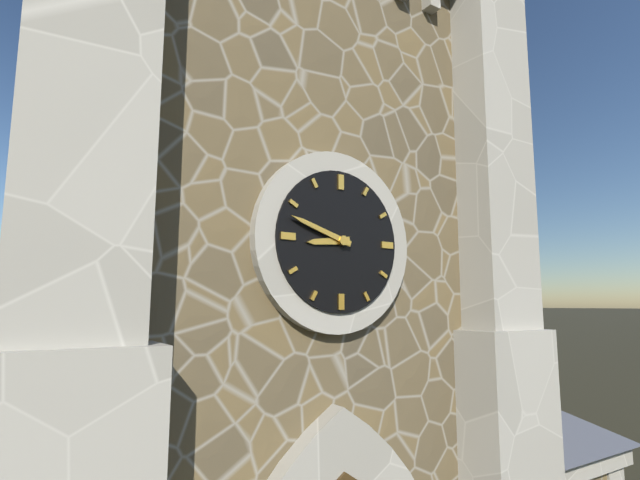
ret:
8,48
